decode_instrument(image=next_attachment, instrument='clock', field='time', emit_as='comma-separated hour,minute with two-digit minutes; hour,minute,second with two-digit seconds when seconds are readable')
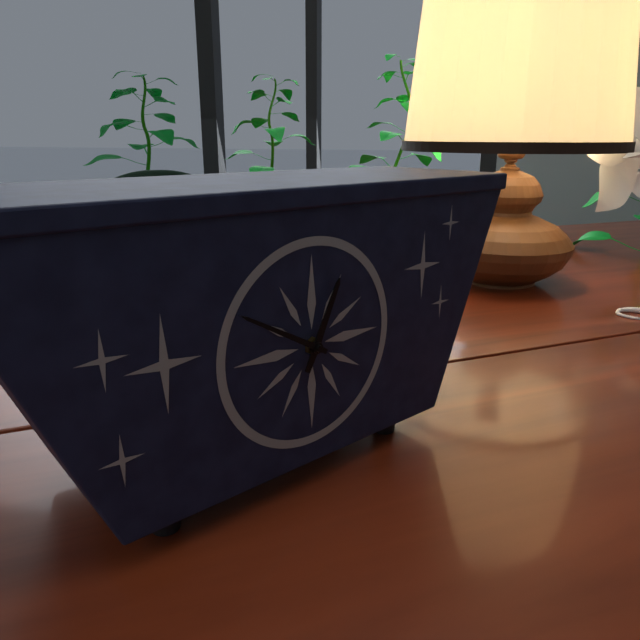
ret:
12,50
